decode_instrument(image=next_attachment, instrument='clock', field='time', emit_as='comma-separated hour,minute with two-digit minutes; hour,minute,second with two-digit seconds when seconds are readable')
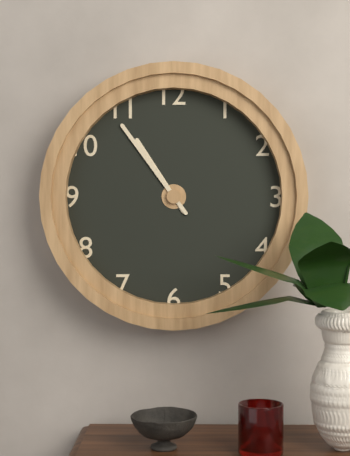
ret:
10,54
